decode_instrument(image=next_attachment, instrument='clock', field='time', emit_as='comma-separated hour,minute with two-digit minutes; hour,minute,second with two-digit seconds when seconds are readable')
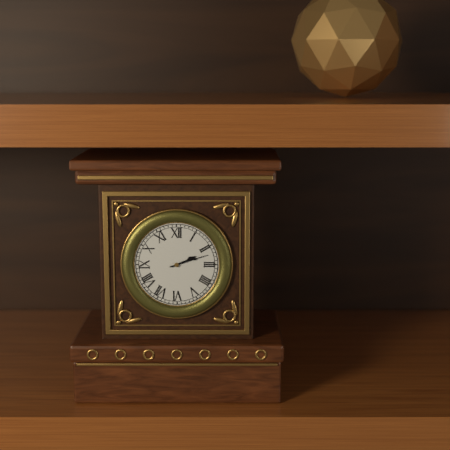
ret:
2,12
